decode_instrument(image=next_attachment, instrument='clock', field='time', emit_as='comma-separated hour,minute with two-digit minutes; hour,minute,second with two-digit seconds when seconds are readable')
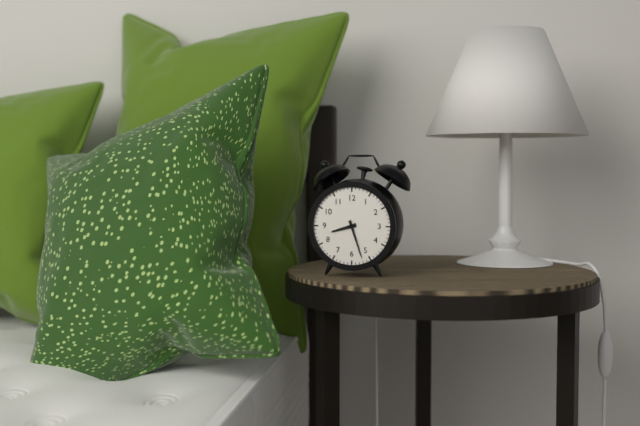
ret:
8,27
